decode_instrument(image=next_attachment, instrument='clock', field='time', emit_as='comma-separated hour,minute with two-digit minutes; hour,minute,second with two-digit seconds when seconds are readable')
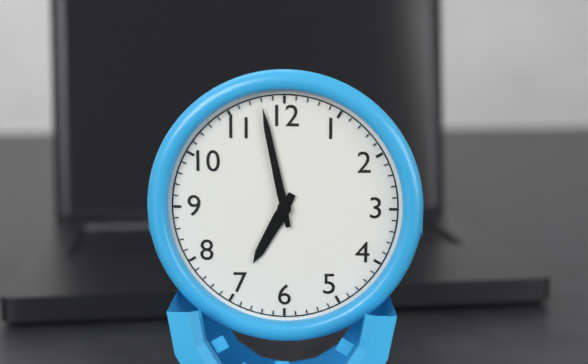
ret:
6,58
